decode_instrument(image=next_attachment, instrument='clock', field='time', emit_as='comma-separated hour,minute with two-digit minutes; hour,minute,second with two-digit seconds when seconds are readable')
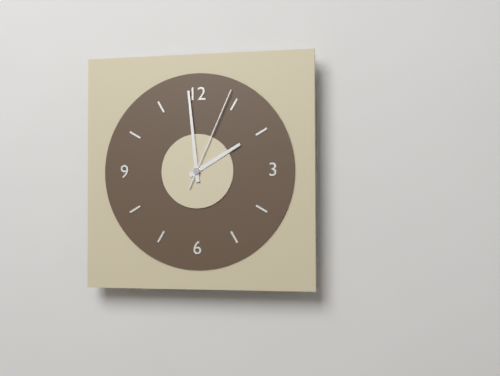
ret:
1,59,04
